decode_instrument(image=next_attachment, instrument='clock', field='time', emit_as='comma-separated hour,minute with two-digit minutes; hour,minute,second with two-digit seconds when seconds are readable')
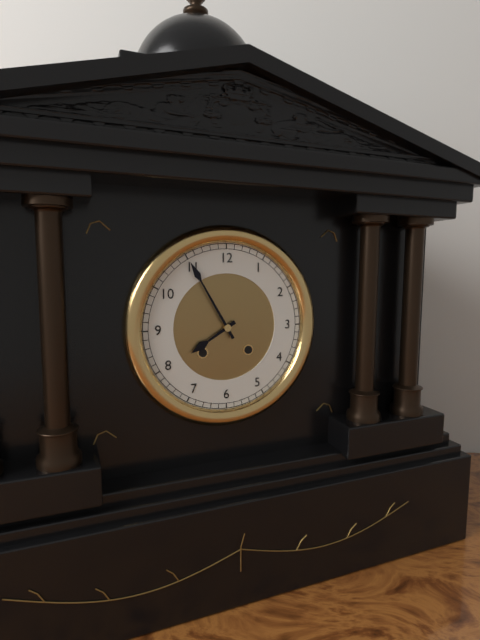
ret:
7,55
